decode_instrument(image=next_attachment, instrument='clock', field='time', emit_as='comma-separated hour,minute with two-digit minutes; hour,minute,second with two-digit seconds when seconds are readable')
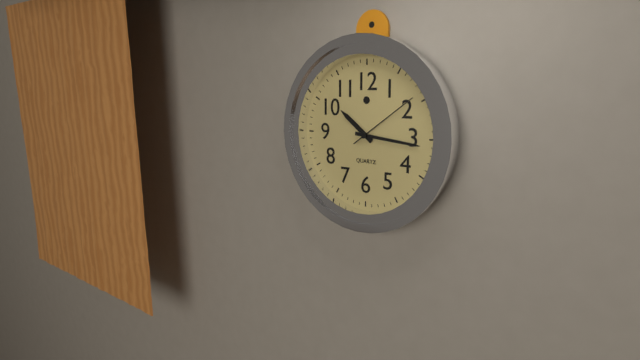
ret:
10,16,09
